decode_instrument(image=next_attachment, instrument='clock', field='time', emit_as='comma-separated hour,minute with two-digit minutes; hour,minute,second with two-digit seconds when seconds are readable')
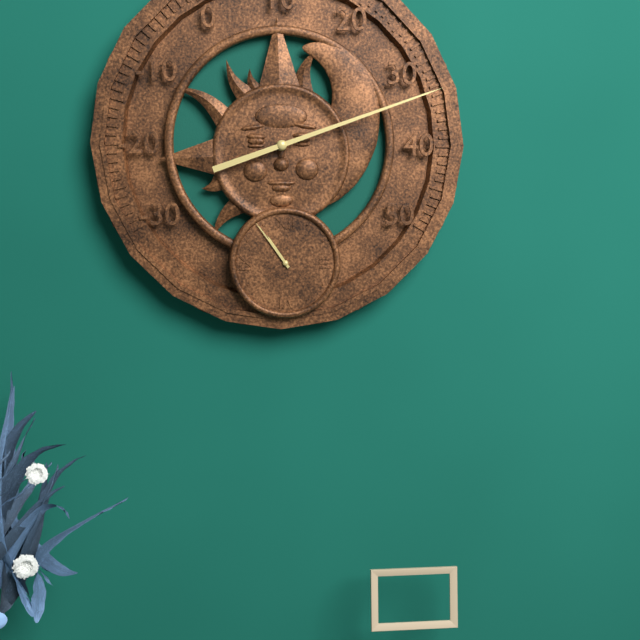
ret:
10,54
